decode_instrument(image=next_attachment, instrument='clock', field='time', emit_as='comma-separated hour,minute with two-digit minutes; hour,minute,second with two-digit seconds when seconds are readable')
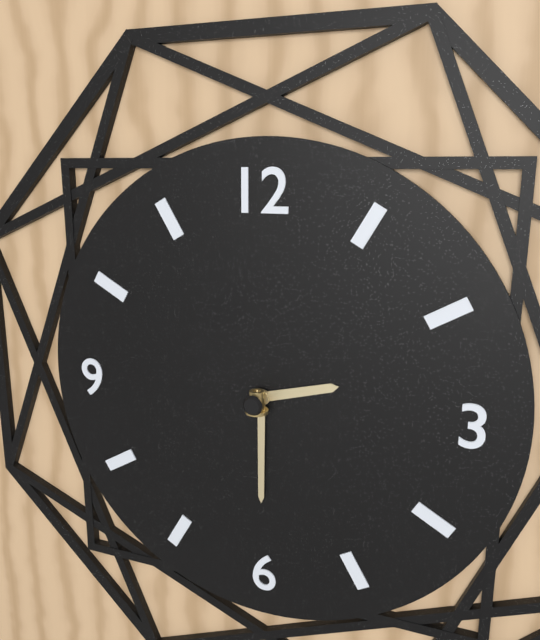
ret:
2,30
